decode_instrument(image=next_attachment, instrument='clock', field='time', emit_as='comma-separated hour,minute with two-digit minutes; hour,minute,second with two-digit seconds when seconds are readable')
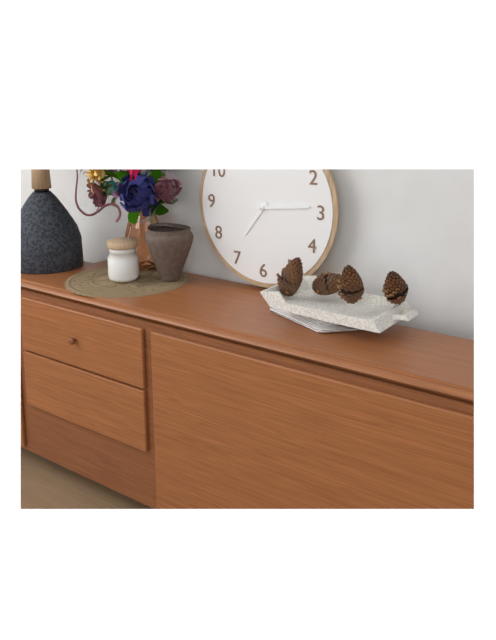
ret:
7,14
